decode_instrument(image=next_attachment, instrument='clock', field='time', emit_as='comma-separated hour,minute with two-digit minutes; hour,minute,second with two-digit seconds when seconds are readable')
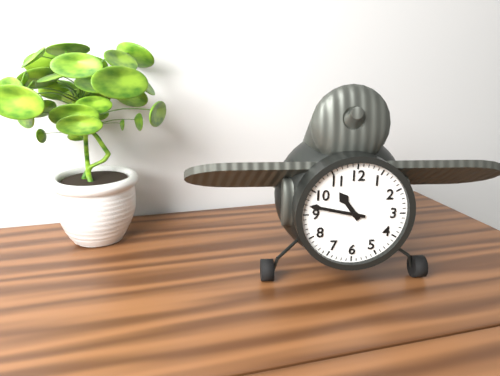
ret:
10,47
